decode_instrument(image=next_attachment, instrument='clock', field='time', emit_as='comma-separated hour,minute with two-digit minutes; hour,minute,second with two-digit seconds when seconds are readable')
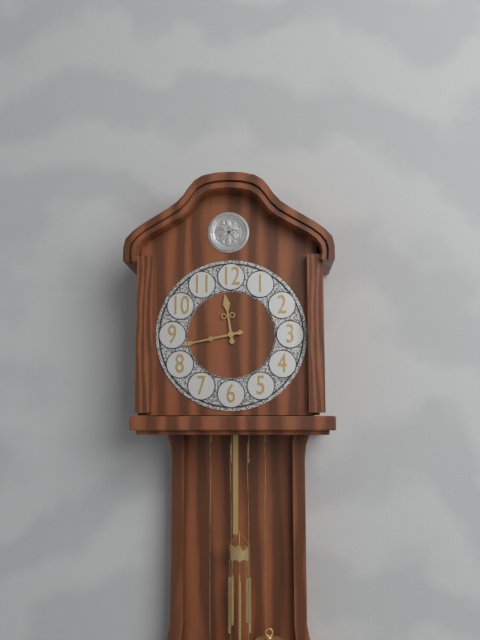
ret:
11,43
